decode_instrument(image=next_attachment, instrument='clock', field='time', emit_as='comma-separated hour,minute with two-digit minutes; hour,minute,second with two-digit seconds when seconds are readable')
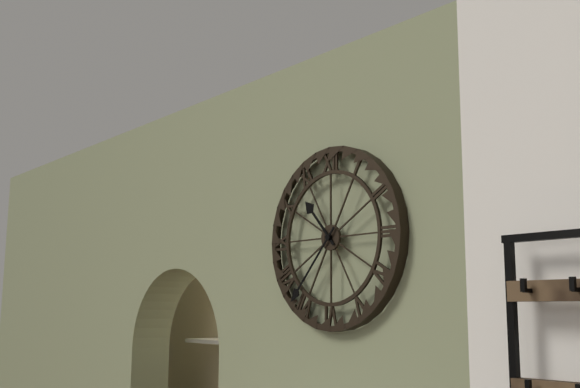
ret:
10,37
